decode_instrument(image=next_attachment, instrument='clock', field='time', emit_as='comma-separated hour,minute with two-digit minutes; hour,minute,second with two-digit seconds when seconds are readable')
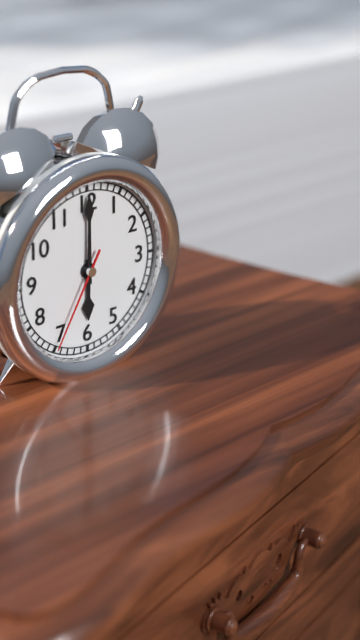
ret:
6,00,35
